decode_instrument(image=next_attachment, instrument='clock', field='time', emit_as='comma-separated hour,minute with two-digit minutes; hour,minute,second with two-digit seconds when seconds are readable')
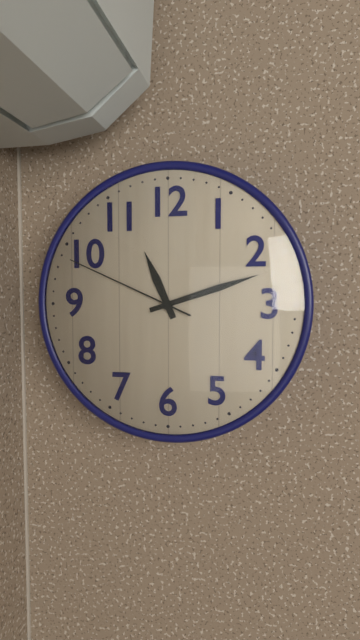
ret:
11,12,49
